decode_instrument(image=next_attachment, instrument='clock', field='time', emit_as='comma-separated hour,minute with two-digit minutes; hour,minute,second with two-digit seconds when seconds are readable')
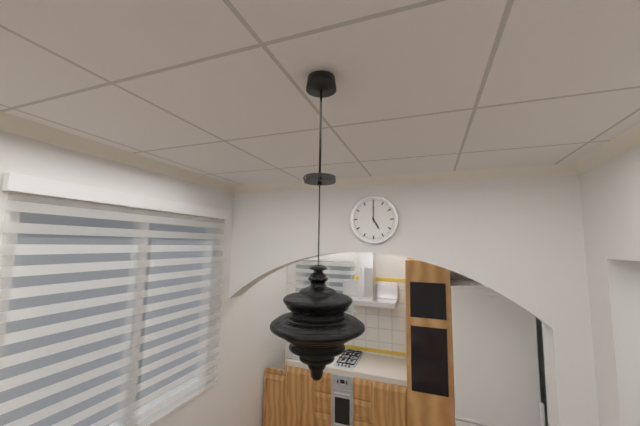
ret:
5,00
